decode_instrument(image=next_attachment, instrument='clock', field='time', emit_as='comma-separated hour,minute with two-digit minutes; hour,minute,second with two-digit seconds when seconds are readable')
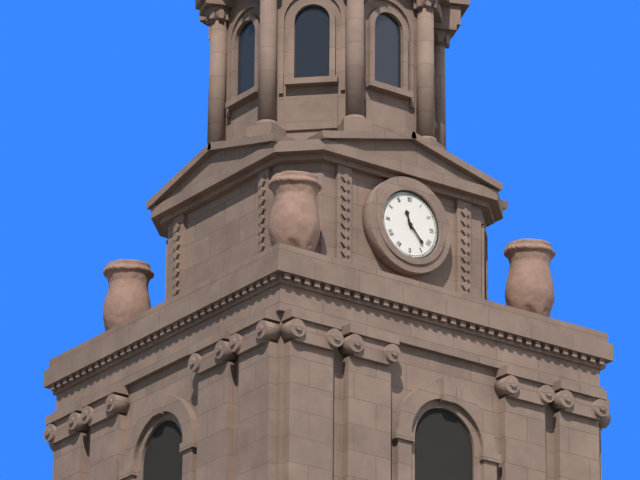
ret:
11,23
